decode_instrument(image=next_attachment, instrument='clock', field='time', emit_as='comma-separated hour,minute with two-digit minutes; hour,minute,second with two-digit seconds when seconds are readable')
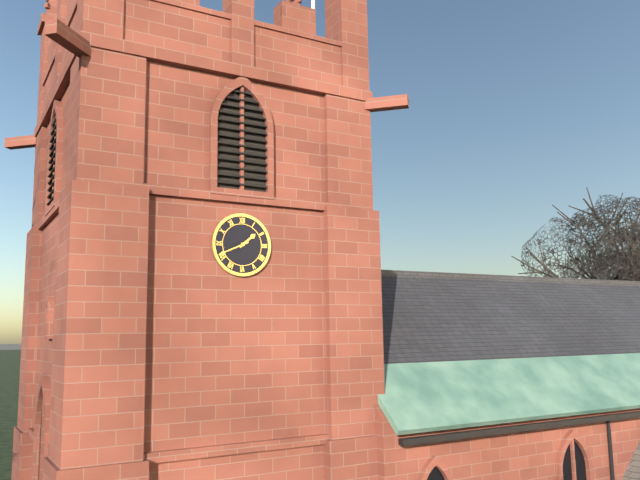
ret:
1,41
